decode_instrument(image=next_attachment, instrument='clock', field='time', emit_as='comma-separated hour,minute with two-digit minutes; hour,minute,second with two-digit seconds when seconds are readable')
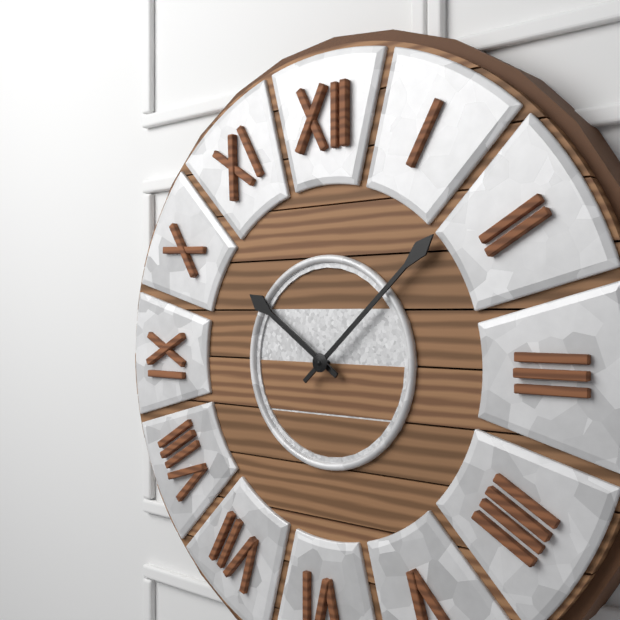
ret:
10,08
